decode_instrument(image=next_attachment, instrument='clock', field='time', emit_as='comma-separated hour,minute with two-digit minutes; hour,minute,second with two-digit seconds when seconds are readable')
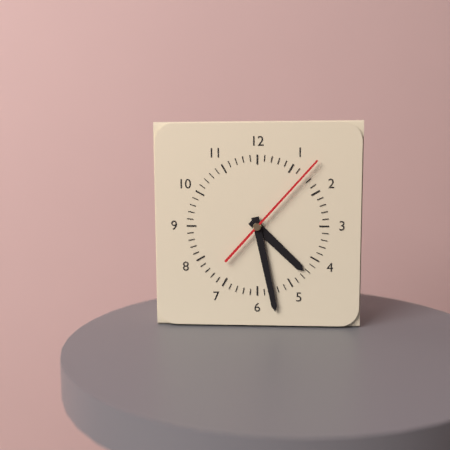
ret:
4,28,07
